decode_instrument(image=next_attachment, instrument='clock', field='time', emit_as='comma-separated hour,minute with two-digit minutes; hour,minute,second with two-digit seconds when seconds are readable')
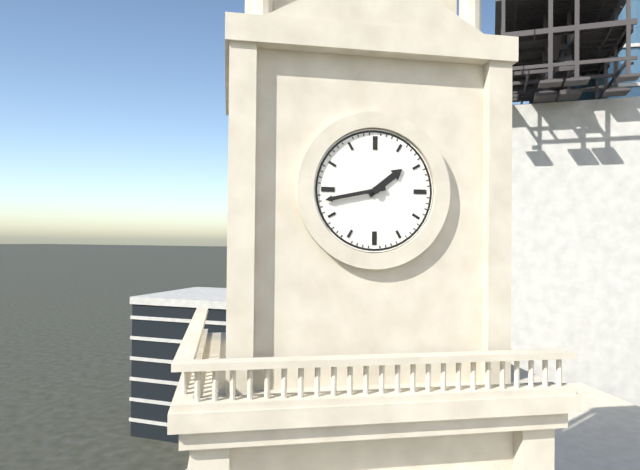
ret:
1,43
